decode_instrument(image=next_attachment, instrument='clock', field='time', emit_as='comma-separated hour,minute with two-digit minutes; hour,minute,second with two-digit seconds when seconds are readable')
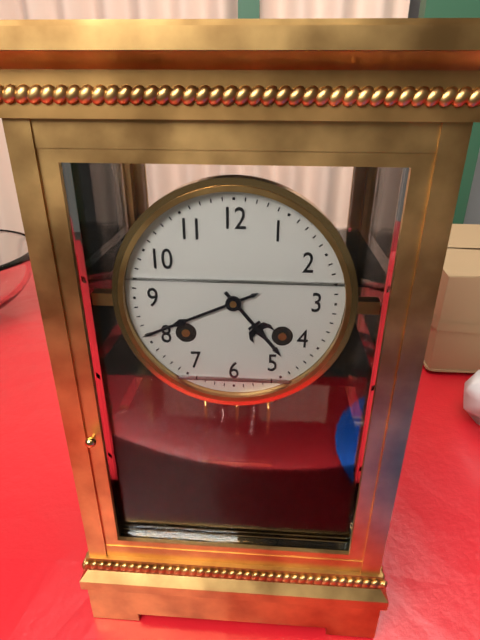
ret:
4,41
